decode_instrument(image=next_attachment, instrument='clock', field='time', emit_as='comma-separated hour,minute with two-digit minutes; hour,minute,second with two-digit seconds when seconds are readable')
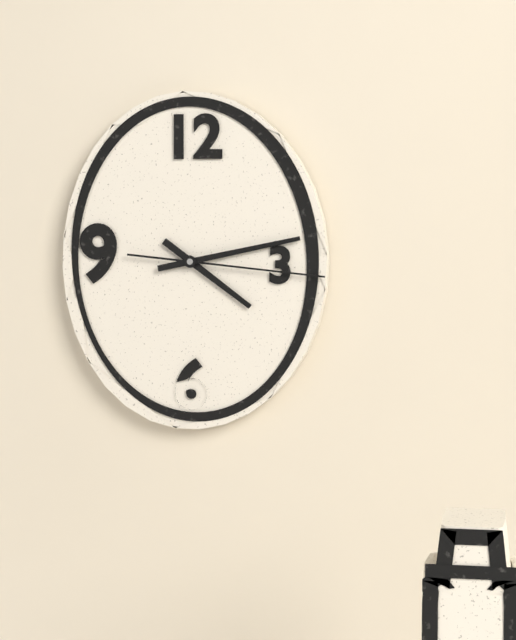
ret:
4,13,16
